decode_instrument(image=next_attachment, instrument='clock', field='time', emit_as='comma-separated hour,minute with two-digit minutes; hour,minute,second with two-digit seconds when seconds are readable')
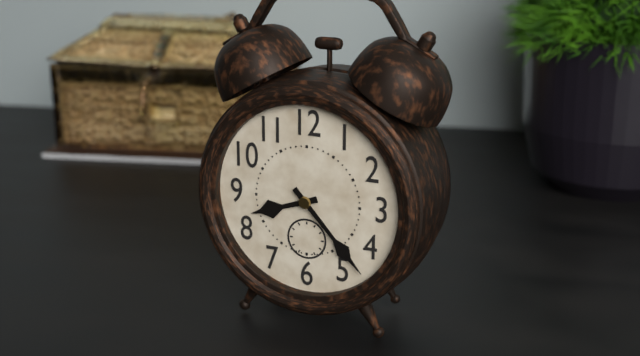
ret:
8,23
